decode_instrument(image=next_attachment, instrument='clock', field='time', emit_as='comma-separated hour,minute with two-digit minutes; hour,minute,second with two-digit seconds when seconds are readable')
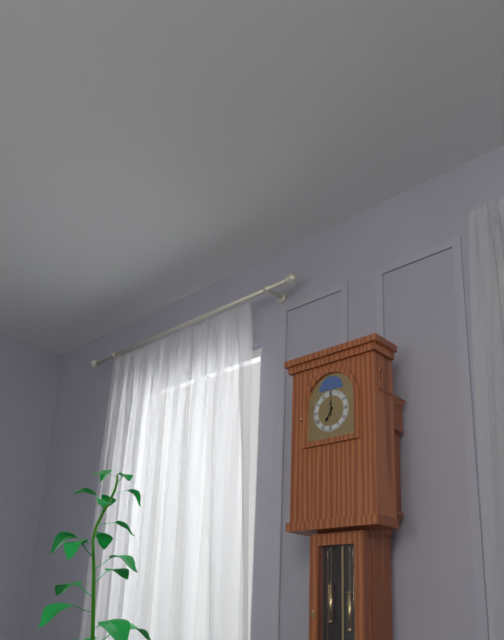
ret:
7,00
